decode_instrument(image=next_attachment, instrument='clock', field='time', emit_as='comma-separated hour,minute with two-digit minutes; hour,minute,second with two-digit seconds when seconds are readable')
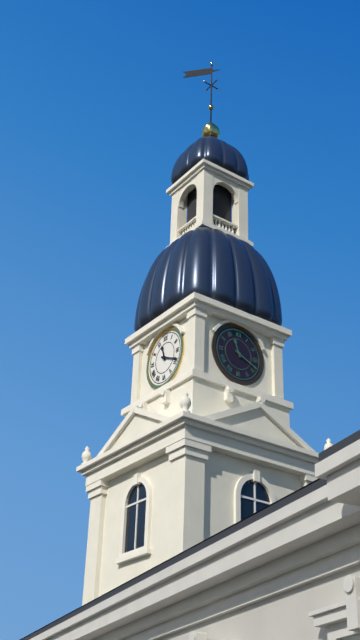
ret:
11,19
